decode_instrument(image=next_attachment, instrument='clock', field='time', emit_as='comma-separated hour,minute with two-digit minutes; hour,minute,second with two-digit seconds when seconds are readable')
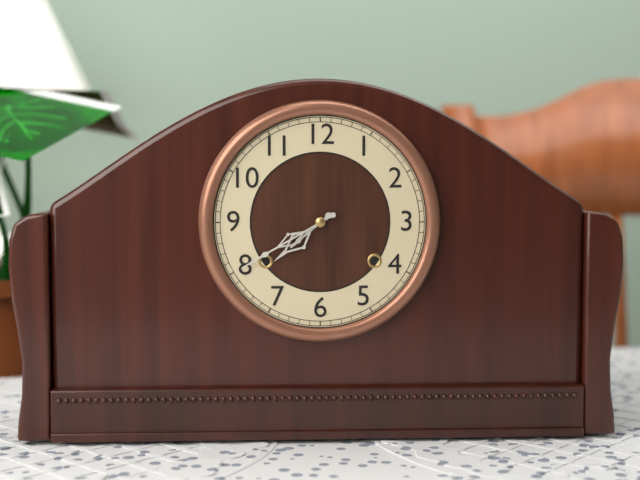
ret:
7,40
